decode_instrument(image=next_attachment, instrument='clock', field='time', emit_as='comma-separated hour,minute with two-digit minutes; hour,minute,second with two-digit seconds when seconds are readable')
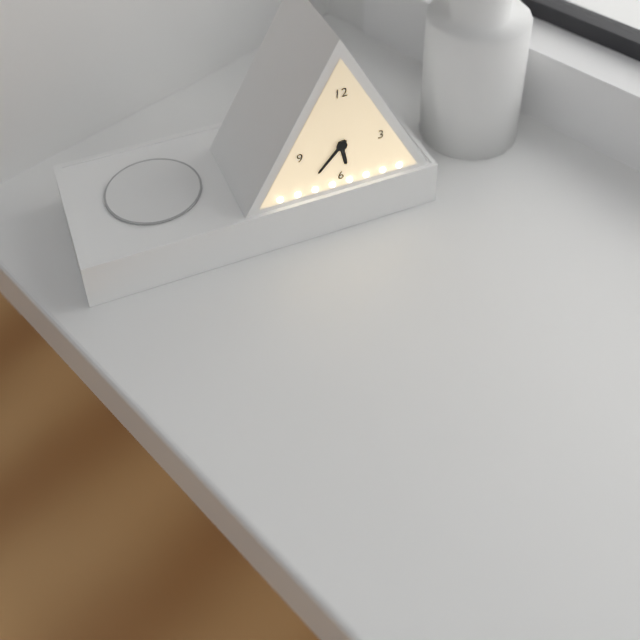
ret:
5,37
